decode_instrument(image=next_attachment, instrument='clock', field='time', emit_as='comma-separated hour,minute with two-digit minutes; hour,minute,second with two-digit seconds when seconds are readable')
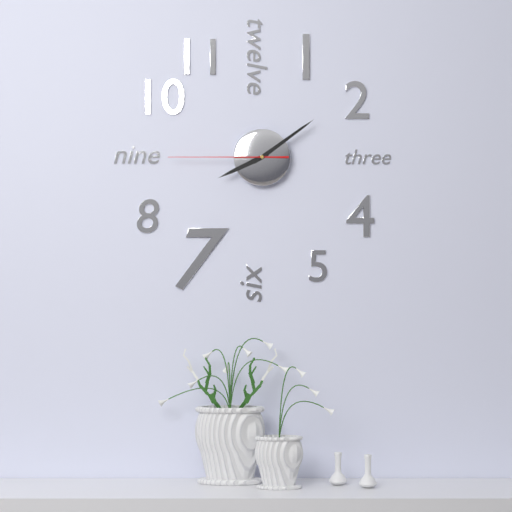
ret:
8,09,45
